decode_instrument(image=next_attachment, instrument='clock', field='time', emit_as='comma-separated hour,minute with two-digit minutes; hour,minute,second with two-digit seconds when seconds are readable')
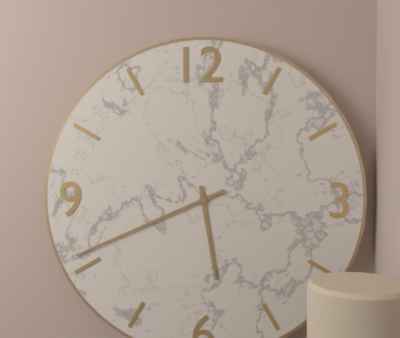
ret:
5,41
